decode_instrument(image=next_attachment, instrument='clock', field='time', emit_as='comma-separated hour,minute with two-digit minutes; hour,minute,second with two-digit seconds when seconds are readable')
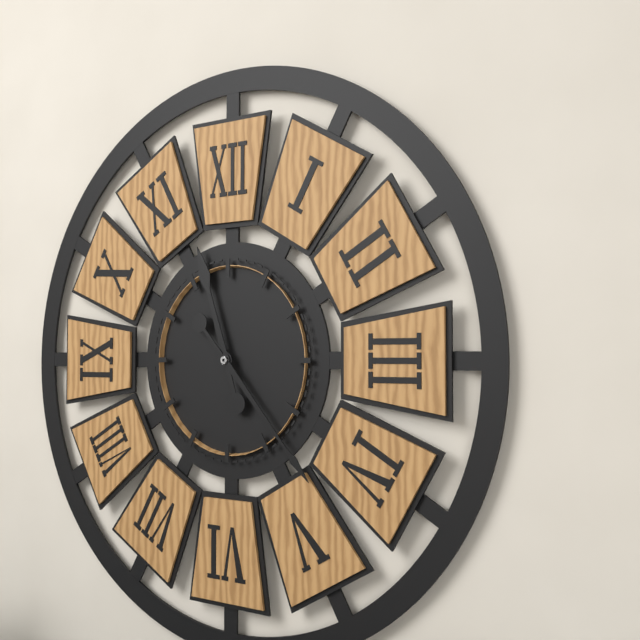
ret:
11,23
